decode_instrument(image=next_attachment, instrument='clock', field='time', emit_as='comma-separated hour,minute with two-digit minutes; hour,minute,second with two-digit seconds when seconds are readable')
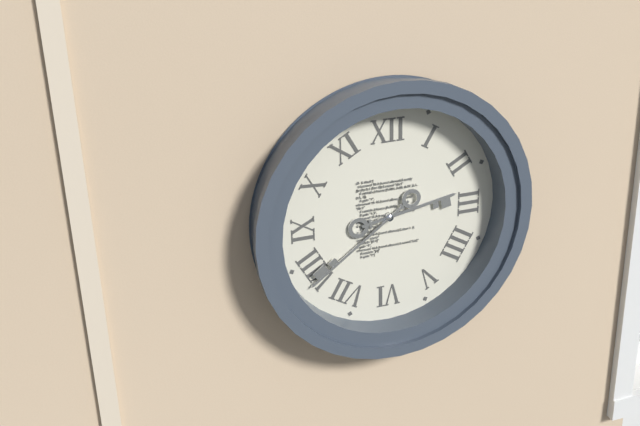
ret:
2,39
